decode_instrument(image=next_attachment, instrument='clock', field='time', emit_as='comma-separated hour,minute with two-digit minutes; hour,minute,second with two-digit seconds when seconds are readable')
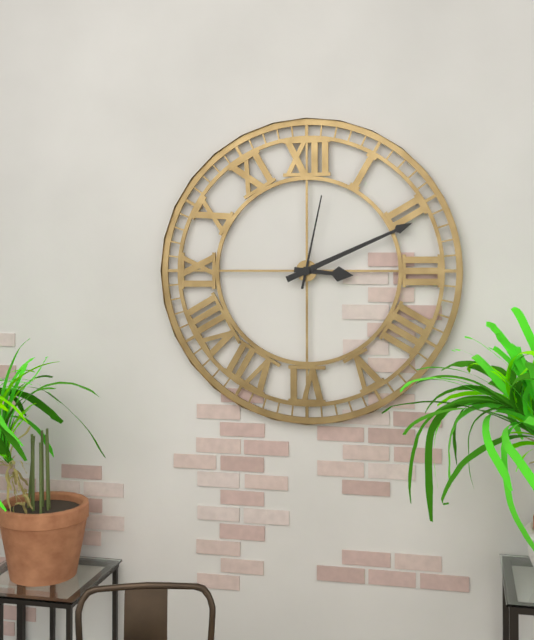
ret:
3,11,02
